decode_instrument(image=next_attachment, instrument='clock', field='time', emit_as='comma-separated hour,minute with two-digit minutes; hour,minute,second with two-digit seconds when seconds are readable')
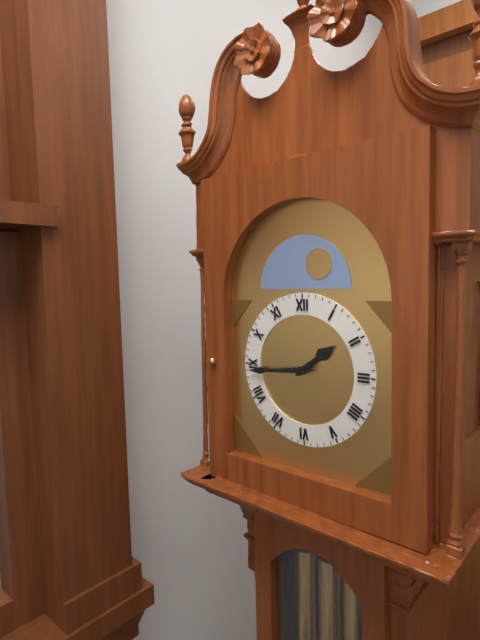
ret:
1,44
